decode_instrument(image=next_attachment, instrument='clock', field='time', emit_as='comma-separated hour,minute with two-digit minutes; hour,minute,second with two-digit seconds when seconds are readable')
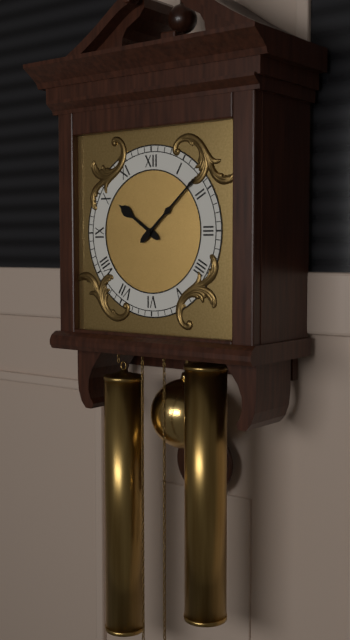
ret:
10,08
